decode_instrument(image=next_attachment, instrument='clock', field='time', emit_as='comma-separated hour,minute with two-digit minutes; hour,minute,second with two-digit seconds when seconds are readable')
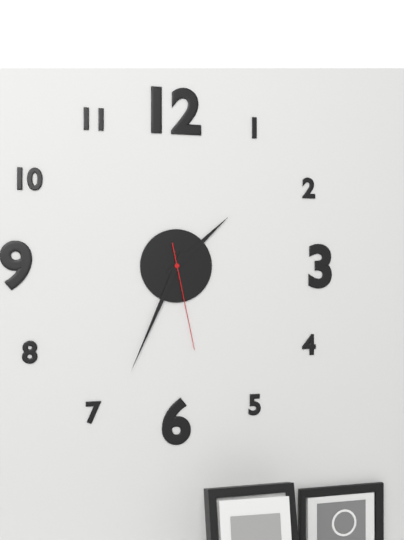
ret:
1,34,28
